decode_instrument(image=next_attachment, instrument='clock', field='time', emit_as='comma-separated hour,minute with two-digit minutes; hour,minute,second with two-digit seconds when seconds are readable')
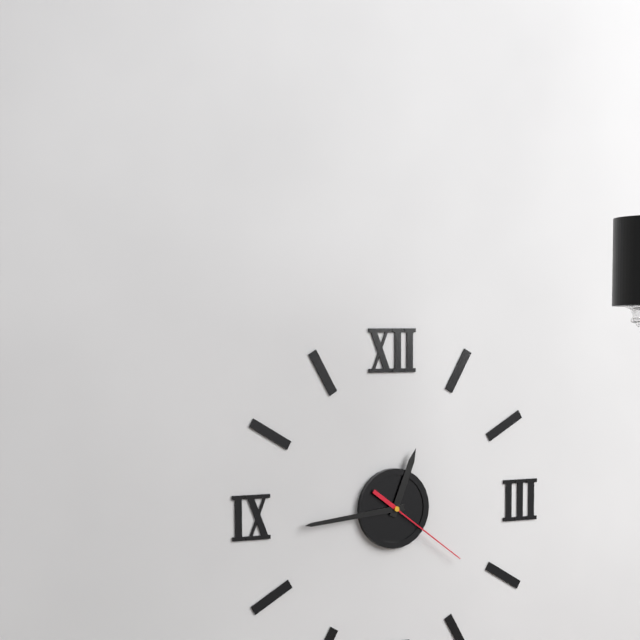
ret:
12,44,21
